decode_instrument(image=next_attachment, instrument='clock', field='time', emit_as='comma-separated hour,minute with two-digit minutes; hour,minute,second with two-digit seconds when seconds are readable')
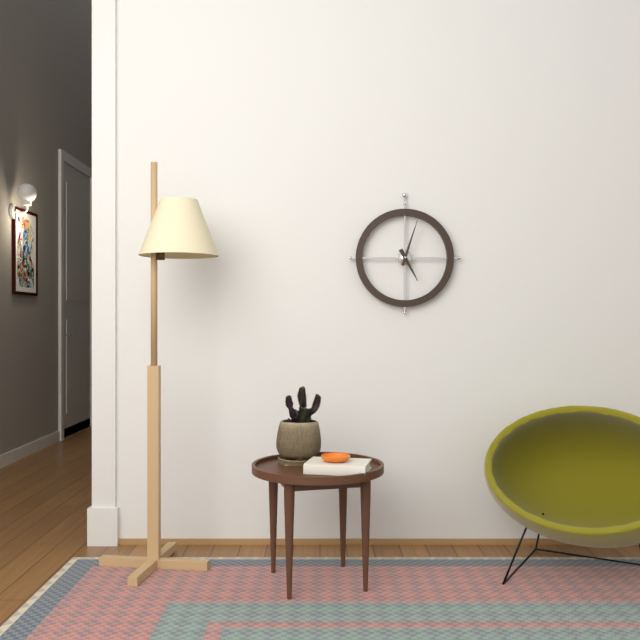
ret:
5,03
